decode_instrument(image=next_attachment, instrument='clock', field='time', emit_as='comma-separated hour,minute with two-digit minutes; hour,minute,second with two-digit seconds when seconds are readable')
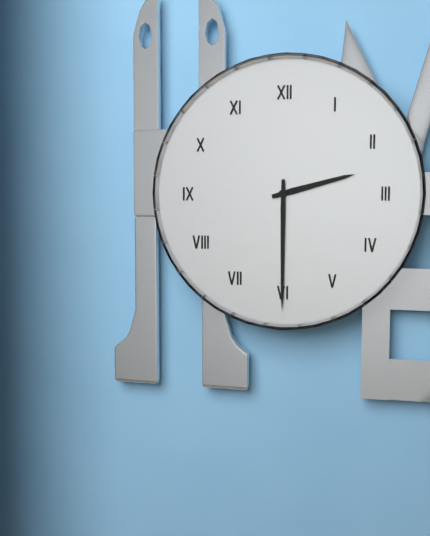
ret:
2,30
